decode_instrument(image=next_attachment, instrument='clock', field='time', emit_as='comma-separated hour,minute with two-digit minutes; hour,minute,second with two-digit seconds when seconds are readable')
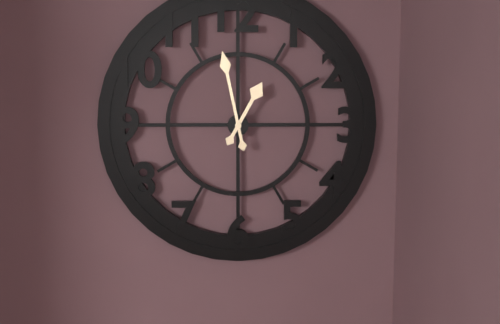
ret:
12,58
